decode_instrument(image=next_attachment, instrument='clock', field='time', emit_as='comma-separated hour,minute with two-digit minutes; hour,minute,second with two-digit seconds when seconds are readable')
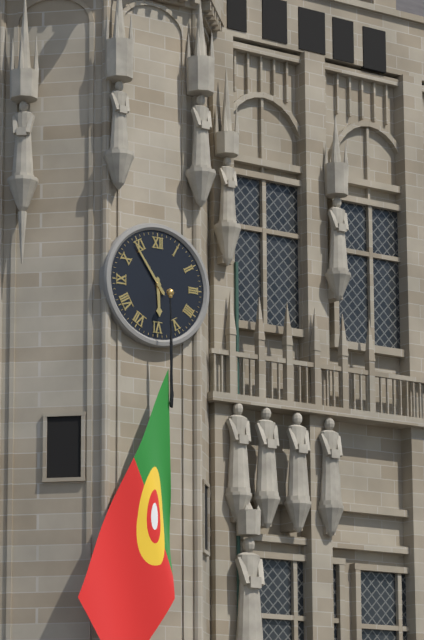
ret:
5,54
